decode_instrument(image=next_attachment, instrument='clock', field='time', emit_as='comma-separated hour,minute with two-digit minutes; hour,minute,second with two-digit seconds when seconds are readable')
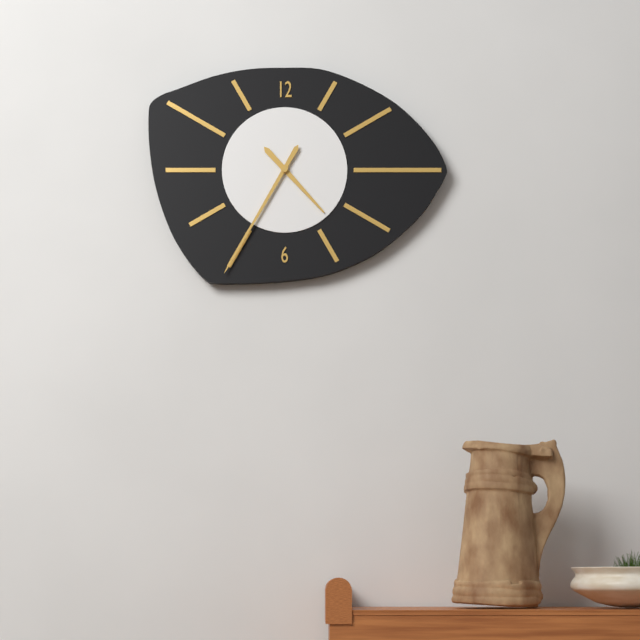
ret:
4,35
